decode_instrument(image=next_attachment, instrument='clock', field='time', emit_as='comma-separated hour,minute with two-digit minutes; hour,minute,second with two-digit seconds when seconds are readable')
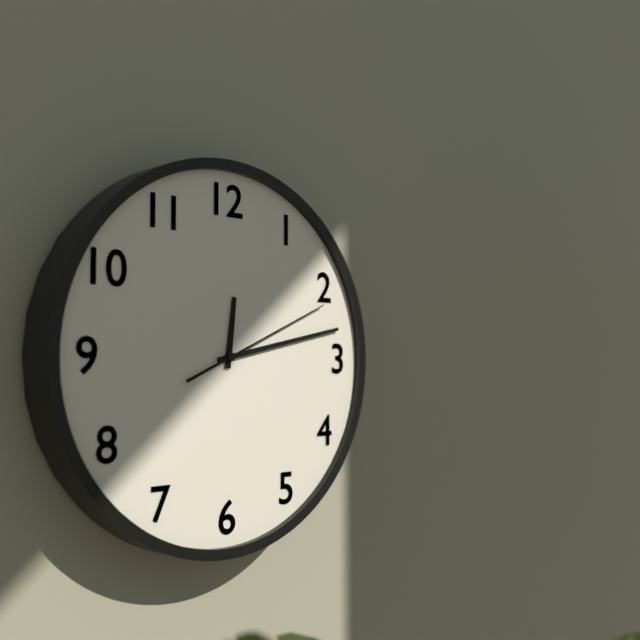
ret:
12,13,11
